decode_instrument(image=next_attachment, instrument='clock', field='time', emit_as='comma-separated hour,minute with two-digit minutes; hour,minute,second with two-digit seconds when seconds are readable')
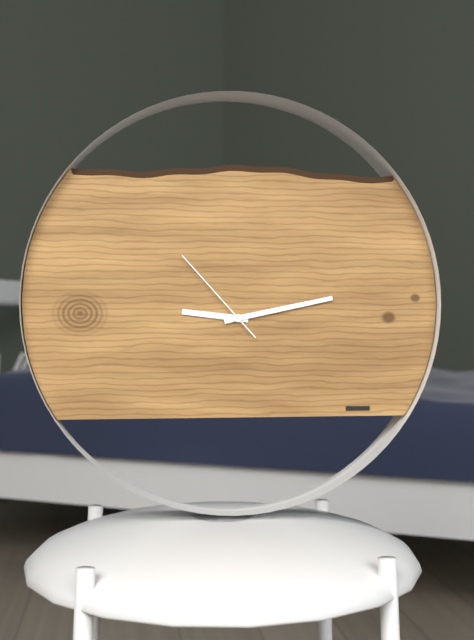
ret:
9,13,53
